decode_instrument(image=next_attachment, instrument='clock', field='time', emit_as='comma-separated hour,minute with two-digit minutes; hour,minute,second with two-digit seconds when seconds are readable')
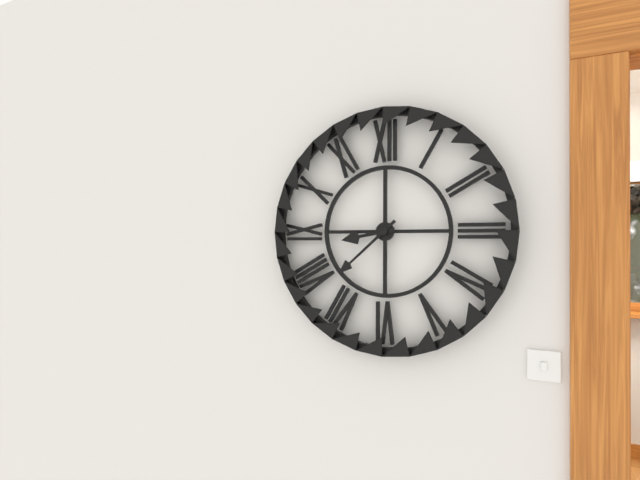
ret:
8,38
